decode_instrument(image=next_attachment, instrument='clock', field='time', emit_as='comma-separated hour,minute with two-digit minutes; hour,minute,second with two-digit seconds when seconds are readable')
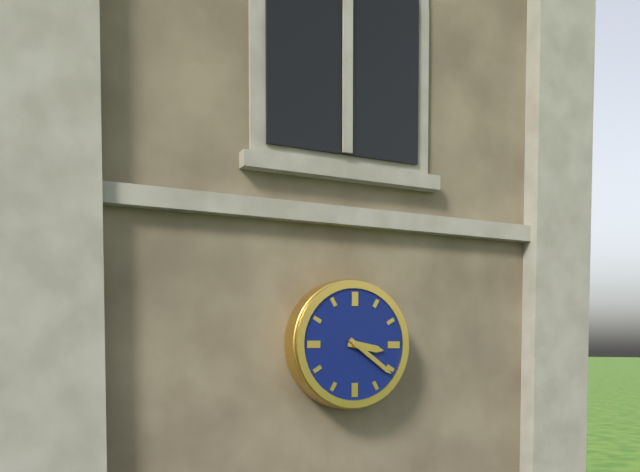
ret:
3,21
